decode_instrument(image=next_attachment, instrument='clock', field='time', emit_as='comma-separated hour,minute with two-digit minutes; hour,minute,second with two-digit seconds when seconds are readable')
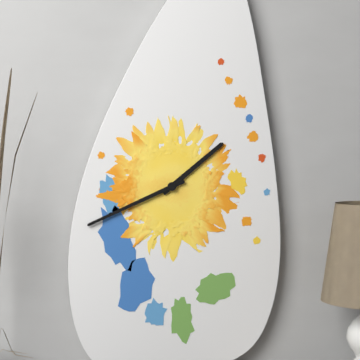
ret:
1,41
